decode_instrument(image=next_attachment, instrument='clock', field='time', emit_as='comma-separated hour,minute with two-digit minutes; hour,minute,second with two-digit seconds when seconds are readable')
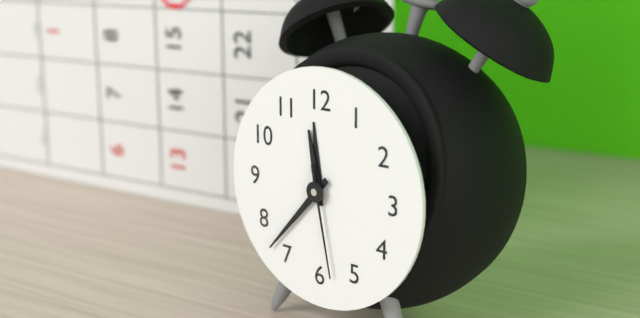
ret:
11,37,28
